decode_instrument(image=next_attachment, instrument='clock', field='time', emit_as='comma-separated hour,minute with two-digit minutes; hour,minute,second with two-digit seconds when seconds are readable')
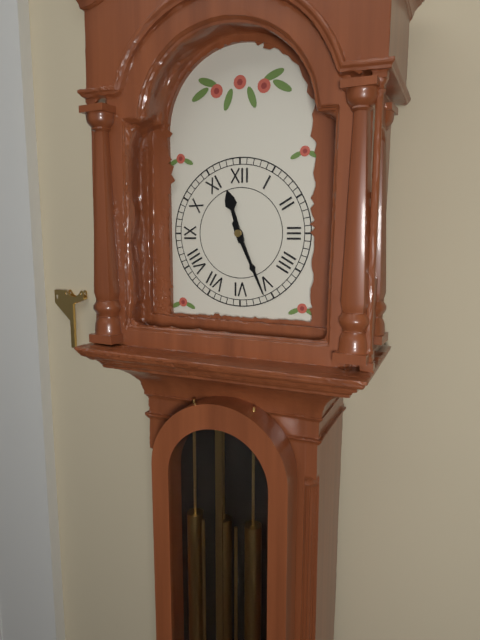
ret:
11,26
